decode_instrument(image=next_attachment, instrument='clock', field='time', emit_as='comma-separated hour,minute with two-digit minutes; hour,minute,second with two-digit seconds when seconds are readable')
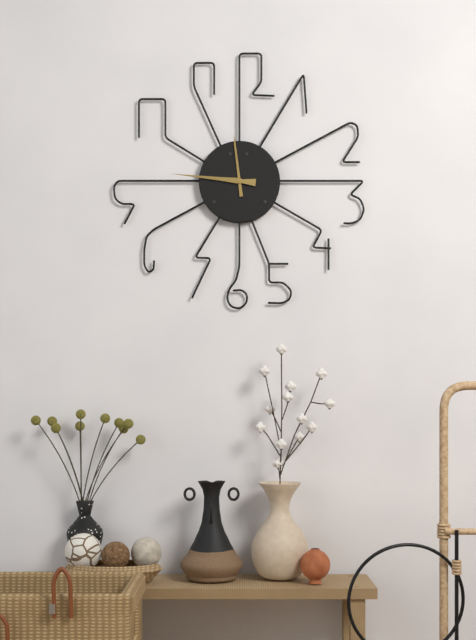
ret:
11,46
